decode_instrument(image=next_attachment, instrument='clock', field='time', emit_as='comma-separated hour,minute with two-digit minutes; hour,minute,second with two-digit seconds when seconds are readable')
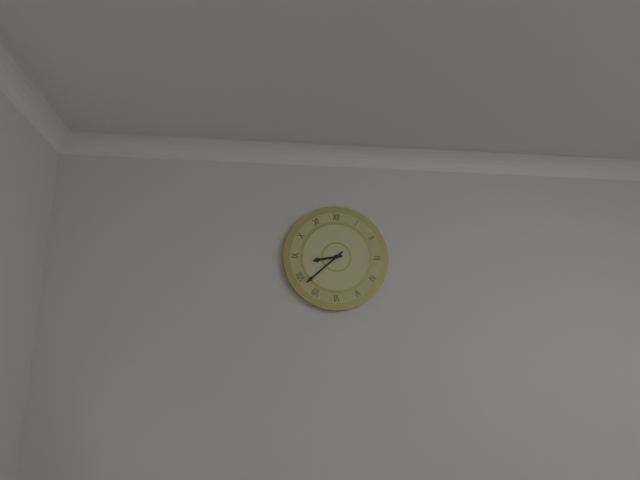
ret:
8,38
